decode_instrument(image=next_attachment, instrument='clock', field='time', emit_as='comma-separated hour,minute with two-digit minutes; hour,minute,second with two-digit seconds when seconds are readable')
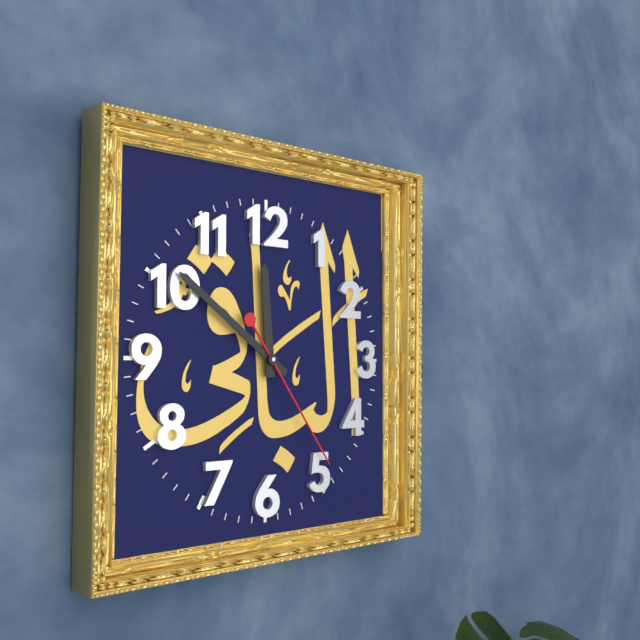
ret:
11,51,24
